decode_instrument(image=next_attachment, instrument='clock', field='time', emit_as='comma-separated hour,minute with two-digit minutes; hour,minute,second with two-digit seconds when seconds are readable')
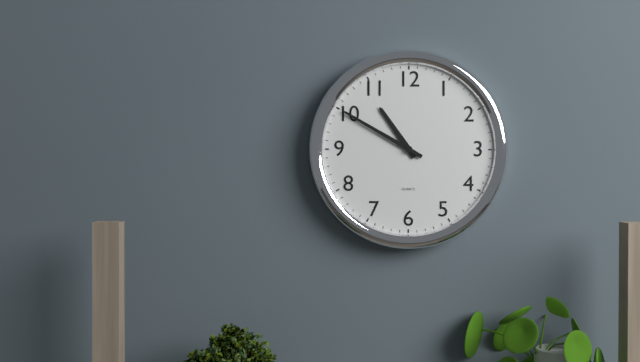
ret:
10,50
